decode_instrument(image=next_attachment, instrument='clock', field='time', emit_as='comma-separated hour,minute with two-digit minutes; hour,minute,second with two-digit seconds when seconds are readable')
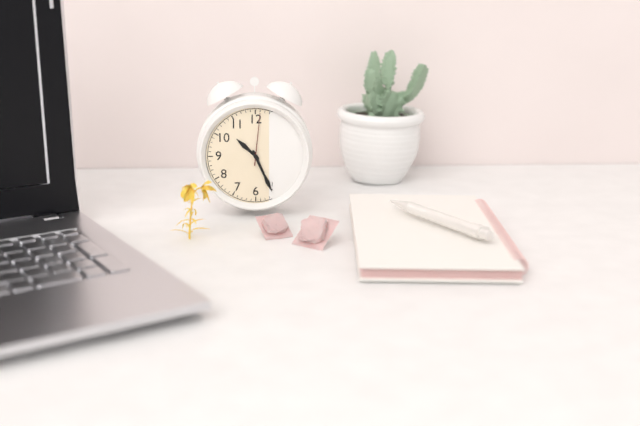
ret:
10,26,01
